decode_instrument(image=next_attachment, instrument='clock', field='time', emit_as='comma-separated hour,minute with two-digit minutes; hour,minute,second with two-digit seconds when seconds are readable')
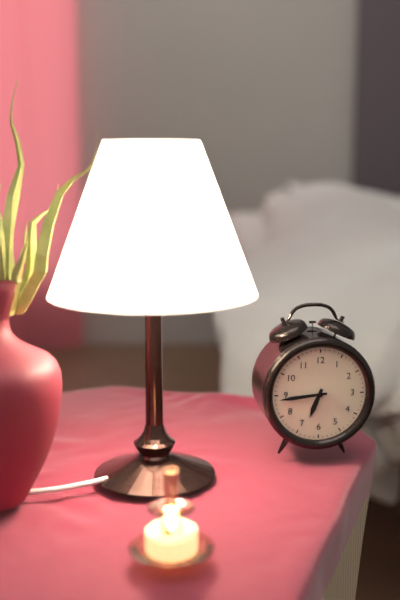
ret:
6,44
